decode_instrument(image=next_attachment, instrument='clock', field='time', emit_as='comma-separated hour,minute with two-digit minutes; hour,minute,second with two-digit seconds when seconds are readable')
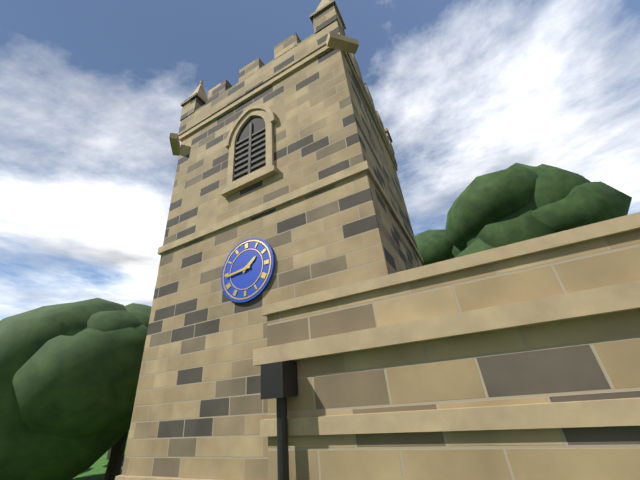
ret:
1,44
